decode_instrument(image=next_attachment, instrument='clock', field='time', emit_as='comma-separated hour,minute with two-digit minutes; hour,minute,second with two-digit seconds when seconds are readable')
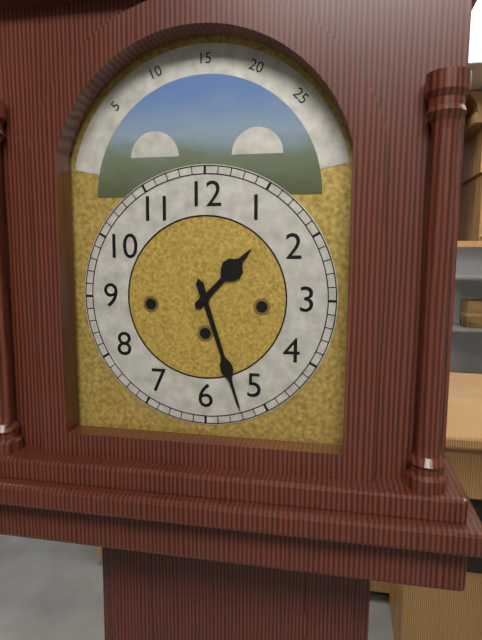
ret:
1,27
